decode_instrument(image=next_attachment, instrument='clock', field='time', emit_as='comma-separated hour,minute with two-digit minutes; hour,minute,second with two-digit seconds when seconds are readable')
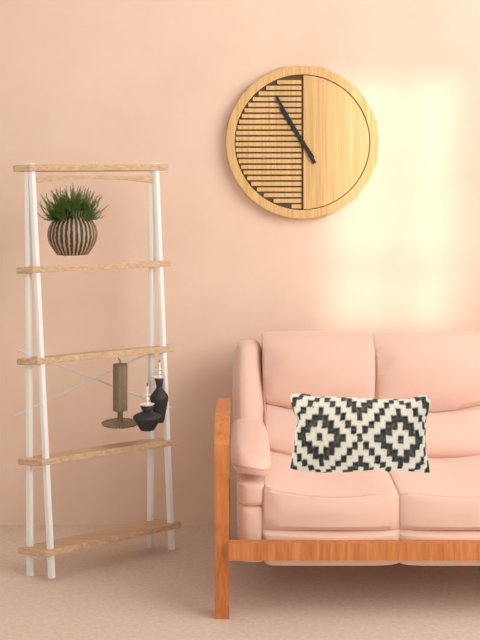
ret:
10,55
